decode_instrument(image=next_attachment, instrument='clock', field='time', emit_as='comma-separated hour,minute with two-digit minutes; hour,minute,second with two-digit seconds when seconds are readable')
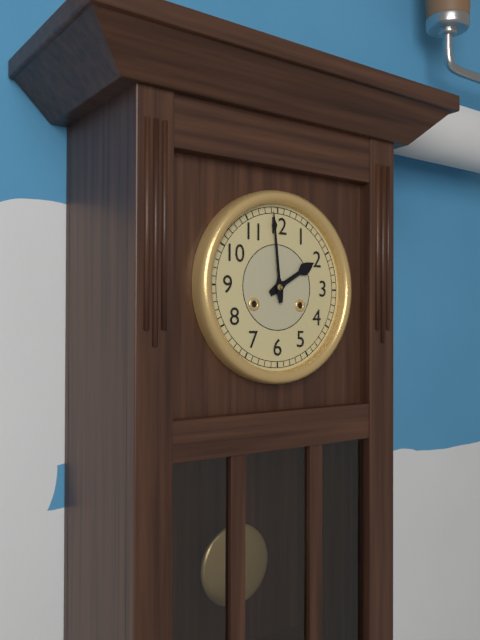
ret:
1,59
